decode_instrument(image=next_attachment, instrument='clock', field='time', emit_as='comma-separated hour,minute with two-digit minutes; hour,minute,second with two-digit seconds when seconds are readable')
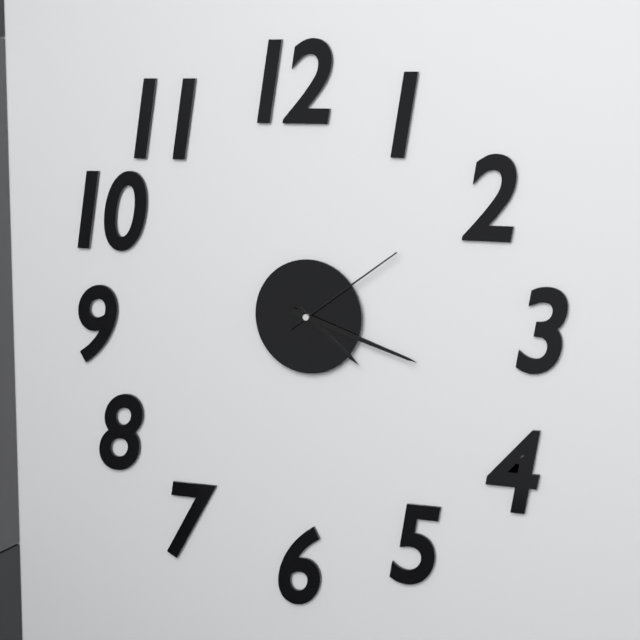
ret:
4,18,09
